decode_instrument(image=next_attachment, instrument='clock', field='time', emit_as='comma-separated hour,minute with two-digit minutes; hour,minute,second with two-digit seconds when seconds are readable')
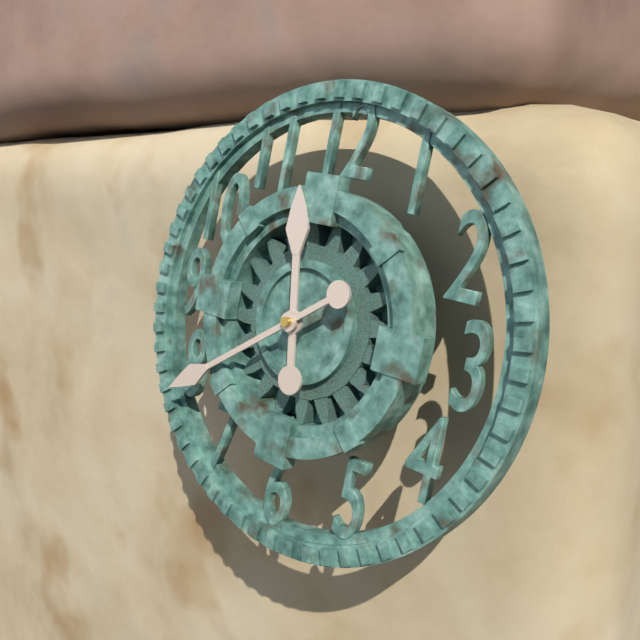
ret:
11,39
